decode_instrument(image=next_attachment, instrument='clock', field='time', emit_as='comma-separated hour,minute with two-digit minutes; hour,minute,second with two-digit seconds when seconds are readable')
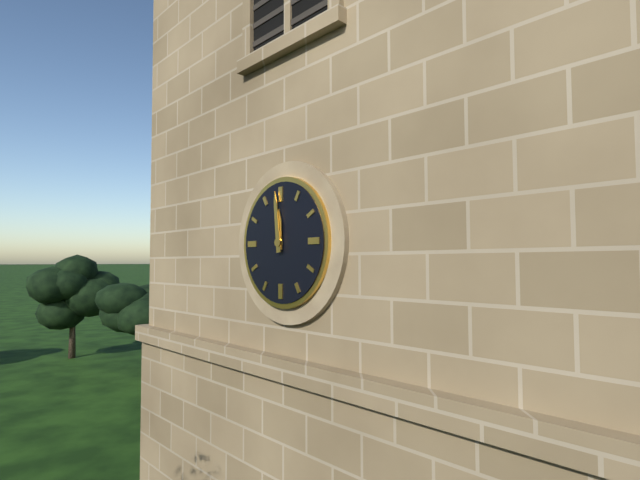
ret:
11,59
